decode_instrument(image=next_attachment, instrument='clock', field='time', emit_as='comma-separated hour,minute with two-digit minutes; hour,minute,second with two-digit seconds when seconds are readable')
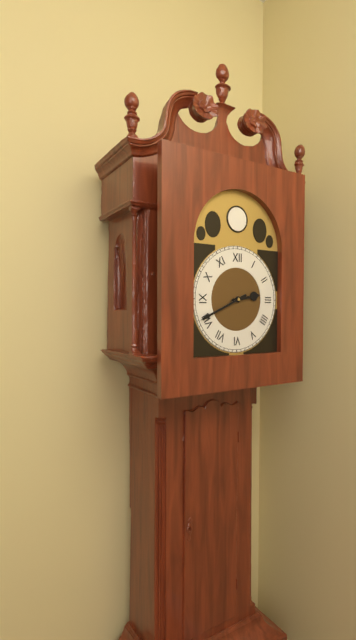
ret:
2,41
